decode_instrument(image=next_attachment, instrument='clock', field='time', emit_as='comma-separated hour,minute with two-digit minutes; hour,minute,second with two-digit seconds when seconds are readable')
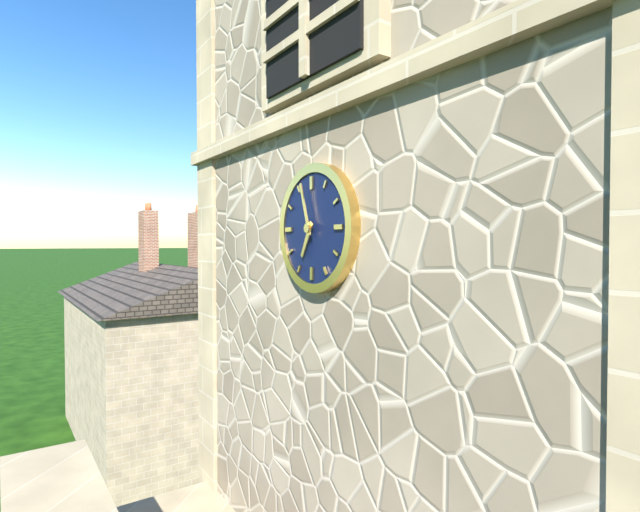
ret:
6,57
